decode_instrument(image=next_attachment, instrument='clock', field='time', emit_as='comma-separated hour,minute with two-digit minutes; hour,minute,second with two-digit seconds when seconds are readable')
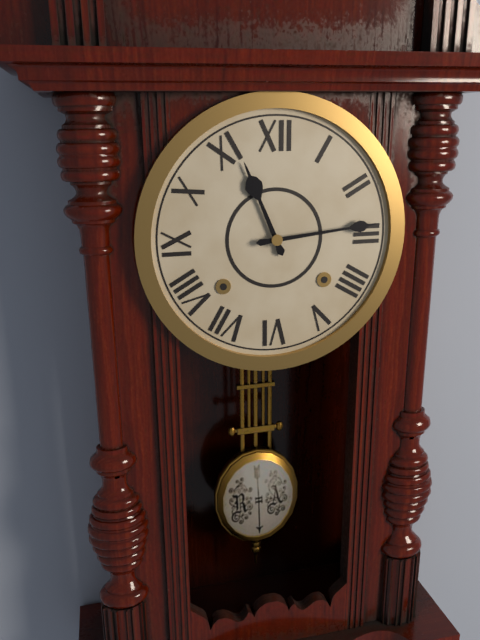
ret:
11,14
